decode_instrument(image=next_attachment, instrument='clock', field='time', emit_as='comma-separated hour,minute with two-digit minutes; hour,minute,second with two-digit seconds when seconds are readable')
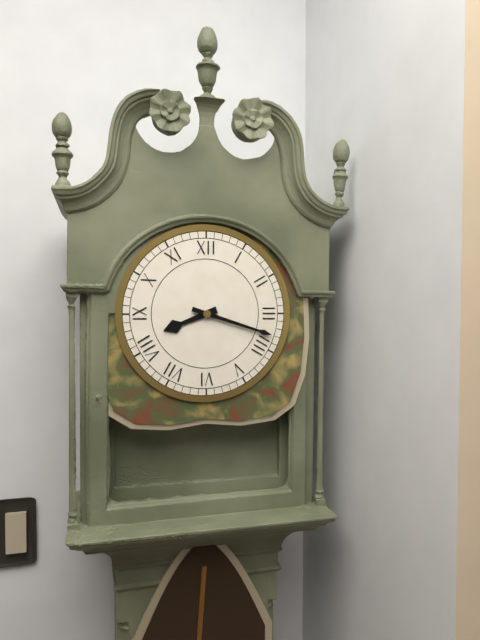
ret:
8,18
